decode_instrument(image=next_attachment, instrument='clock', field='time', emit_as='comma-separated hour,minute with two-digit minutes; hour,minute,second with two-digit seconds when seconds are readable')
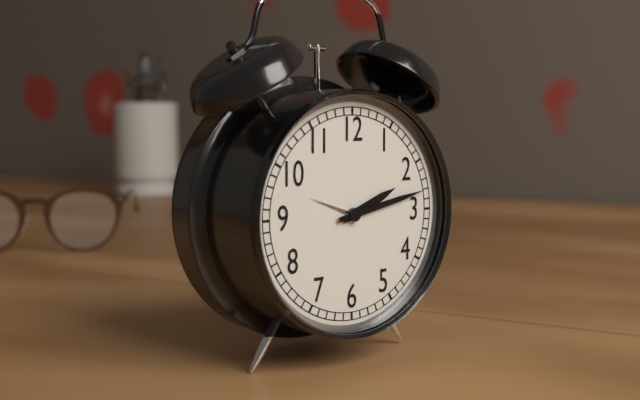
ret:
2,13
